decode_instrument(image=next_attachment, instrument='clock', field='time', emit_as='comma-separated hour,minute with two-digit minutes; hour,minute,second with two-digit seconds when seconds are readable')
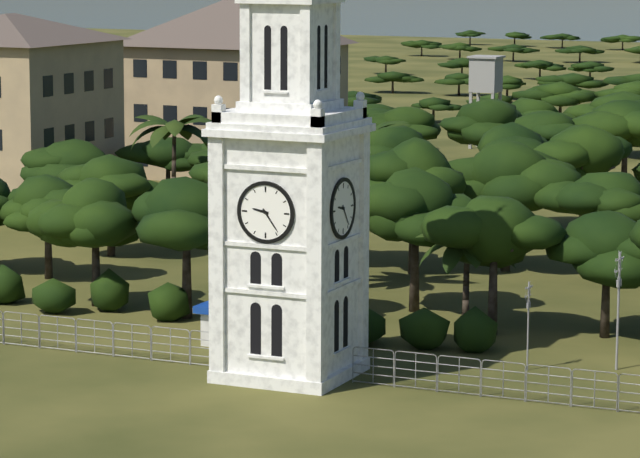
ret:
9,24
